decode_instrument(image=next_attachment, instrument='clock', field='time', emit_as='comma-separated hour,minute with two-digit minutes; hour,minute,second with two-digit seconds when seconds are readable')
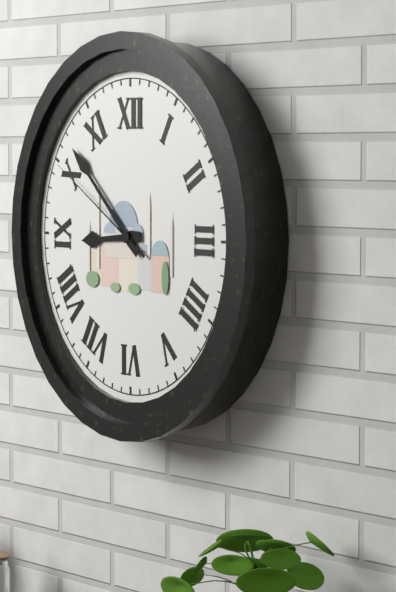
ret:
8,52,50
